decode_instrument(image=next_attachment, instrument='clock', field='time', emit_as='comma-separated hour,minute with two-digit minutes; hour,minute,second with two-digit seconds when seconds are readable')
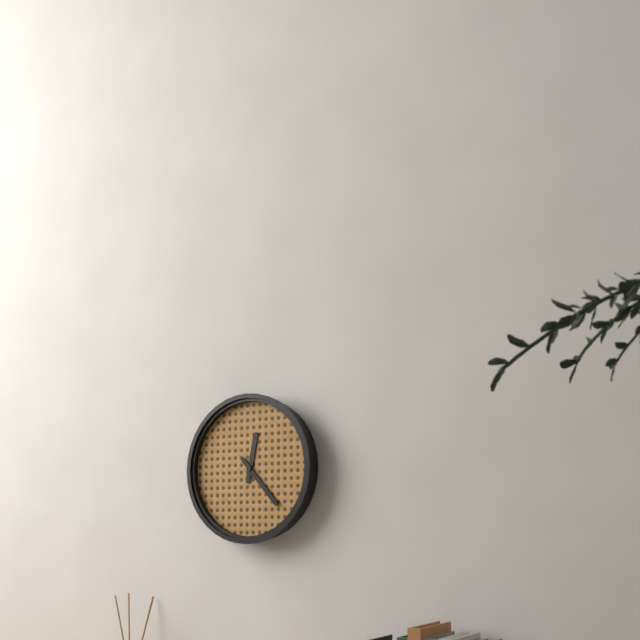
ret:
12,23
